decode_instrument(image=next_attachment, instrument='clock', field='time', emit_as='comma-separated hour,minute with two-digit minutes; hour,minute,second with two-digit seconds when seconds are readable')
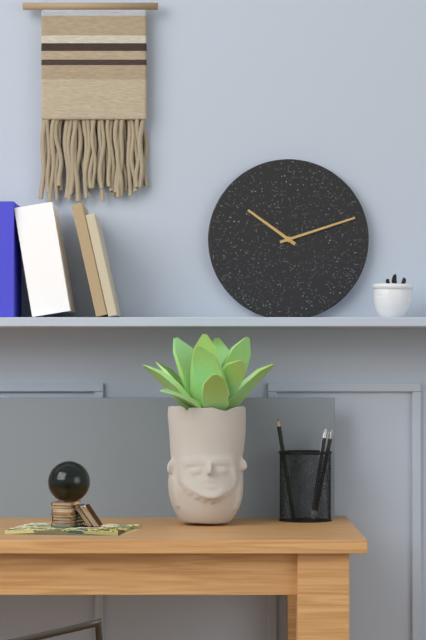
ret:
10,12
